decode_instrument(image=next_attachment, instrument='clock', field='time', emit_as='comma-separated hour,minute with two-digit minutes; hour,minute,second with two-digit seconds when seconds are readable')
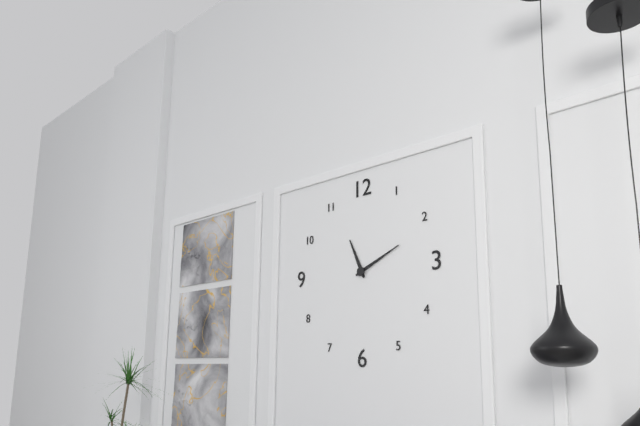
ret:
11,11
